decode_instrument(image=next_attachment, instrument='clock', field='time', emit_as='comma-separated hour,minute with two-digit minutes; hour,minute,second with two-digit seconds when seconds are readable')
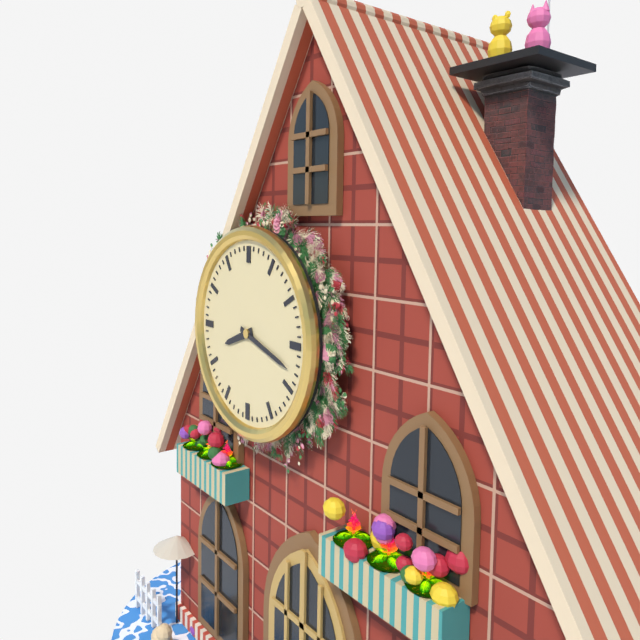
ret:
8,18
